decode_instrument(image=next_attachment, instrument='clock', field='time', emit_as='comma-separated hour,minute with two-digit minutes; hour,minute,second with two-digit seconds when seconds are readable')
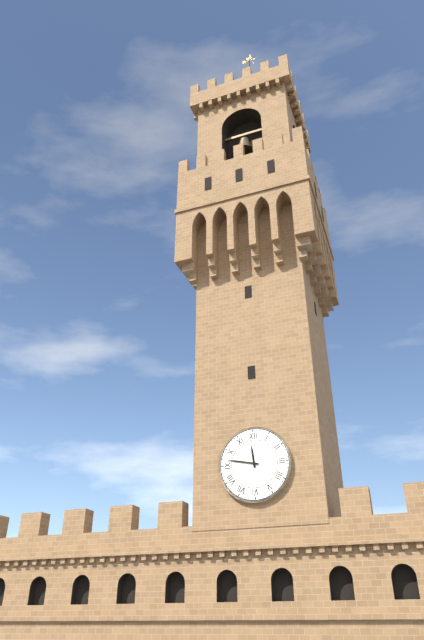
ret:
11,47
